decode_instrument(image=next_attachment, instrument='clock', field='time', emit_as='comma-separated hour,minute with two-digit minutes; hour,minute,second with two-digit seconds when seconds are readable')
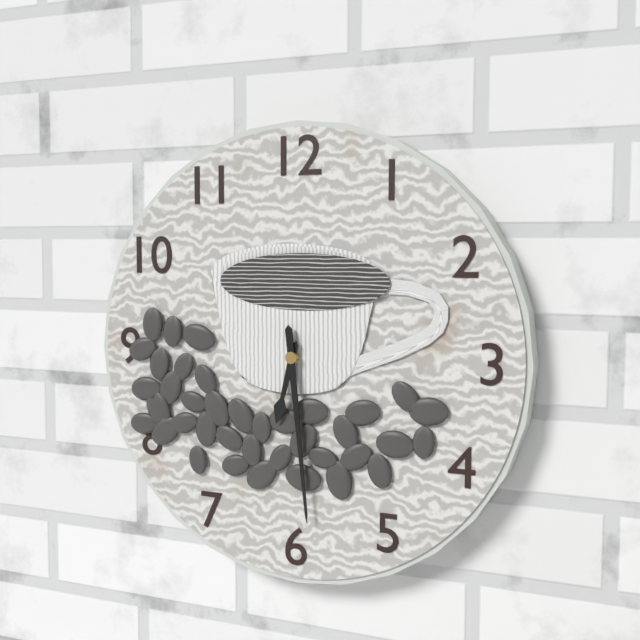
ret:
6,29
